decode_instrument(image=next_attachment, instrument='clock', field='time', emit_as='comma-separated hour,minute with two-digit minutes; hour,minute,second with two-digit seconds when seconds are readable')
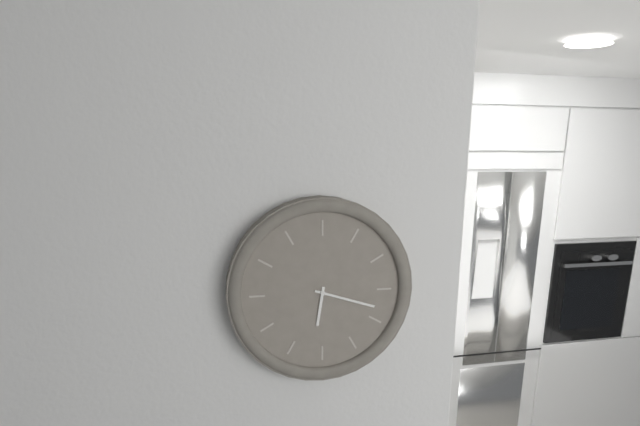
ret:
6,18
